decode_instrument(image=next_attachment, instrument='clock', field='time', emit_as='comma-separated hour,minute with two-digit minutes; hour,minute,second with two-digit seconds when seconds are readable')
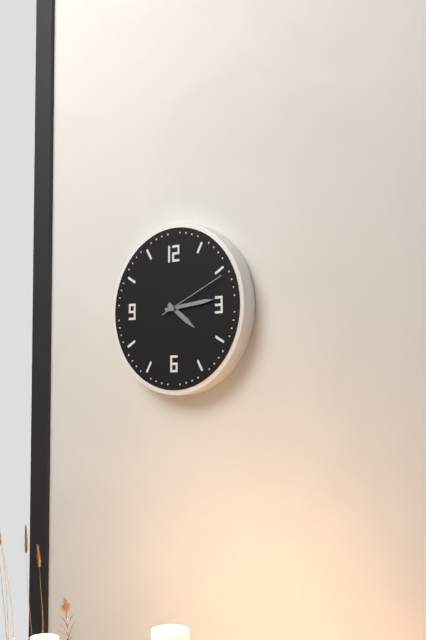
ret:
4,14,11
